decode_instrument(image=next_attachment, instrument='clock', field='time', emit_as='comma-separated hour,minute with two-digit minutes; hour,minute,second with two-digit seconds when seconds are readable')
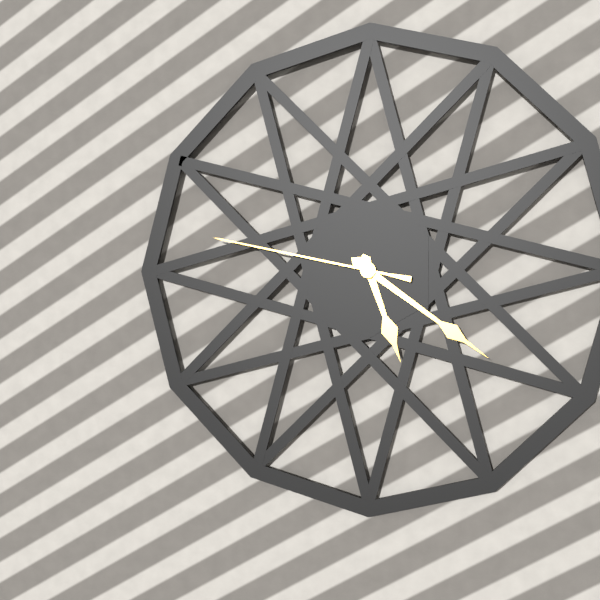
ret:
5,21,47
